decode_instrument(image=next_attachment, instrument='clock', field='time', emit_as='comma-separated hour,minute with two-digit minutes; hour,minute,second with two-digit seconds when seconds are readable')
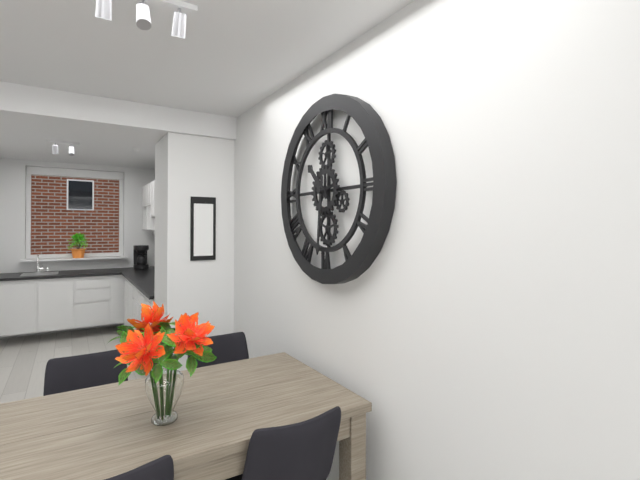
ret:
10,31
